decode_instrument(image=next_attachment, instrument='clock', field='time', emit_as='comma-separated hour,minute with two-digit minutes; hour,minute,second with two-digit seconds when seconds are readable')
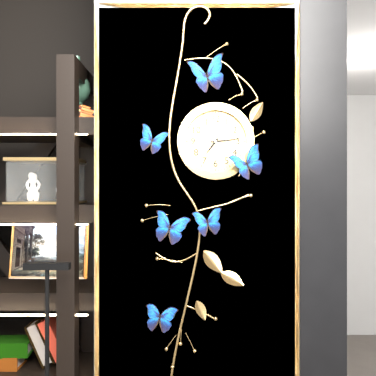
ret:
7,14
